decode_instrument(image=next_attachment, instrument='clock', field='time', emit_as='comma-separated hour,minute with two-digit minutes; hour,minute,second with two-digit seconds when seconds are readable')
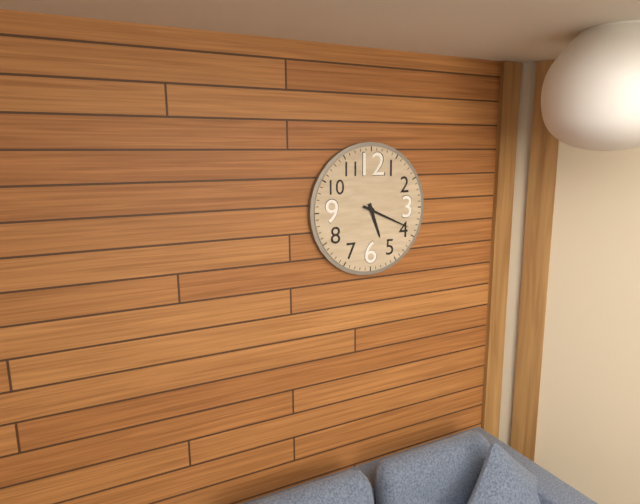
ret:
5,19
